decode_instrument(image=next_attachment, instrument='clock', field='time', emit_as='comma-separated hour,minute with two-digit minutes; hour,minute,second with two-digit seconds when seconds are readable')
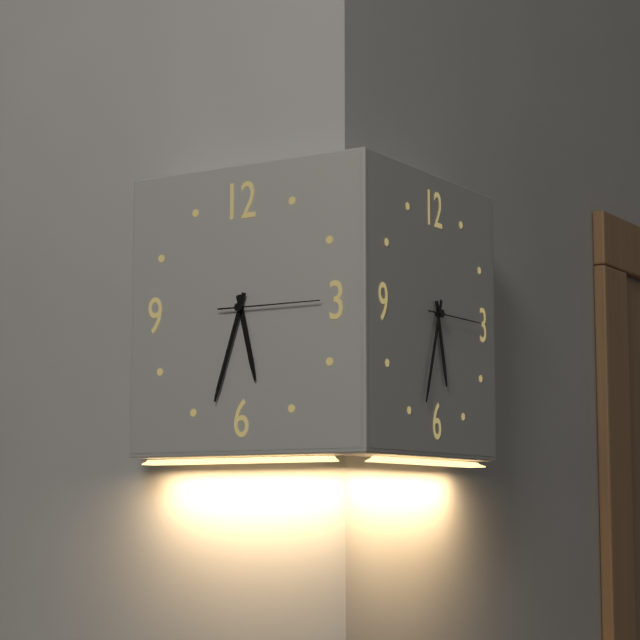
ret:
5,33,15
